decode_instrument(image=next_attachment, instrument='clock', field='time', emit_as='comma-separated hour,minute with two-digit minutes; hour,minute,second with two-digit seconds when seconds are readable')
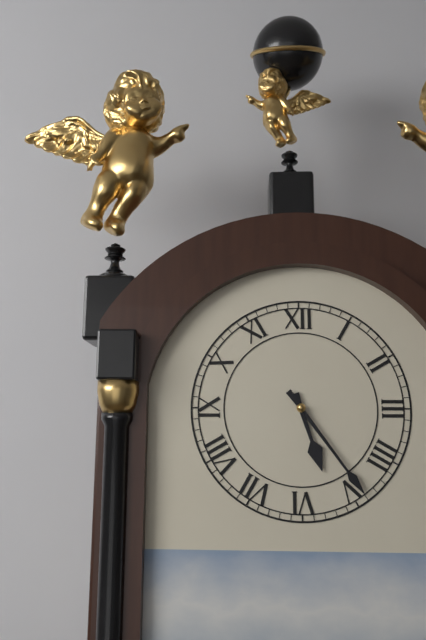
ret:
5,24
